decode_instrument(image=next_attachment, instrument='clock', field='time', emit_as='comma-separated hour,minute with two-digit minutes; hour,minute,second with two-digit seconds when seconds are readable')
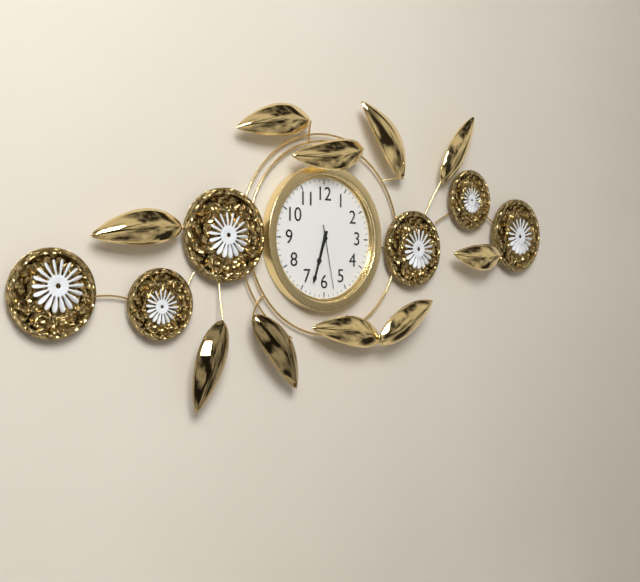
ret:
6,33,28
